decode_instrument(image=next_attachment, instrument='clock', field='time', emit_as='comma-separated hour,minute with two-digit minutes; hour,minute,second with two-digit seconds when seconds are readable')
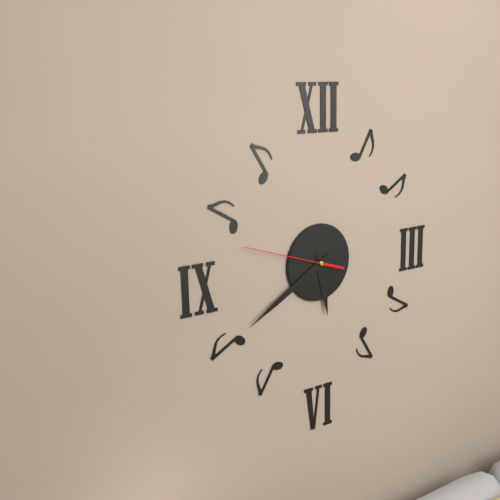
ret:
5,40,48
